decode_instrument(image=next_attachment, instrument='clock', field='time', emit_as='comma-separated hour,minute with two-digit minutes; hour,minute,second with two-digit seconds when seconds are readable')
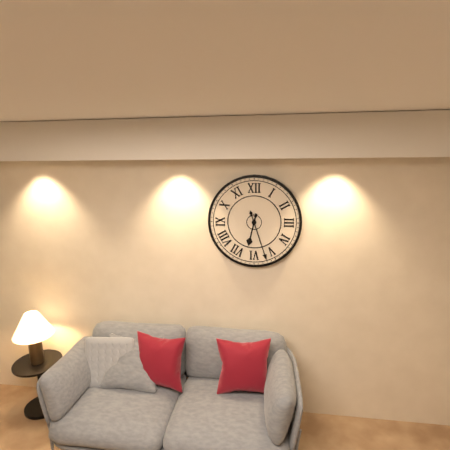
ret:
6,27
